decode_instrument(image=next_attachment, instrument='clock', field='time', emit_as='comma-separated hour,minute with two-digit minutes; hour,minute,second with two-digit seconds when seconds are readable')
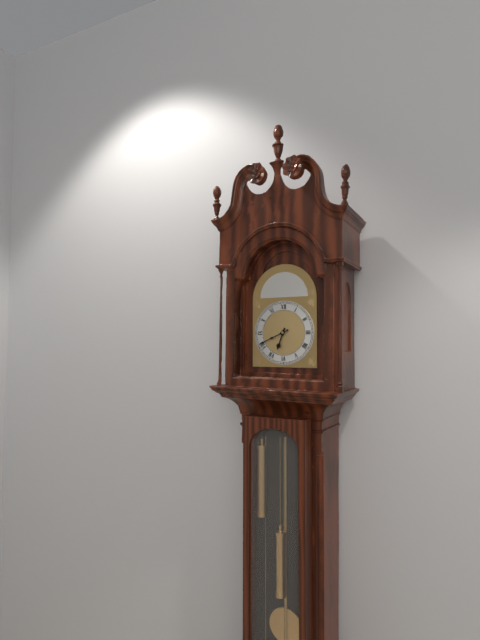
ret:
6,41
